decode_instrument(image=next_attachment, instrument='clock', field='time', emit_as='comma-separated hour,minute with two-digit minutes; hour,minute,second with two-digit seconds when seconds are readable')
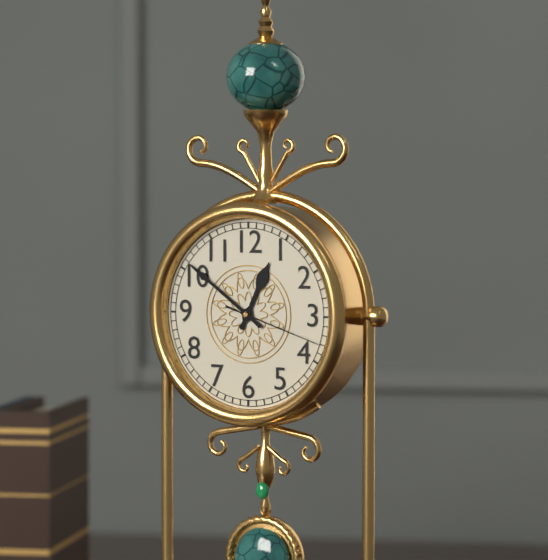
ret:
12,51,18
